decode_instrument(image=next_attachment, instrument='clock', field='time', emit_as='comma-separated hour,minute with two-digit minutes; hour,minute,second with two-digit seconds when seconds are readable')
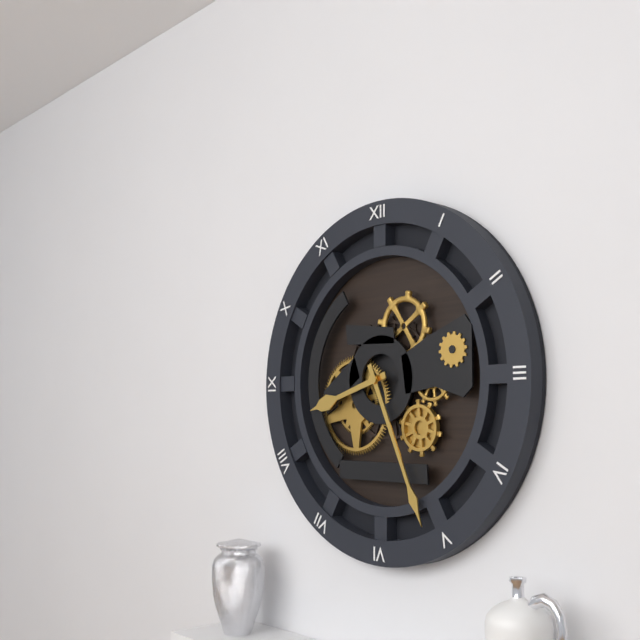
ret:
8,26
